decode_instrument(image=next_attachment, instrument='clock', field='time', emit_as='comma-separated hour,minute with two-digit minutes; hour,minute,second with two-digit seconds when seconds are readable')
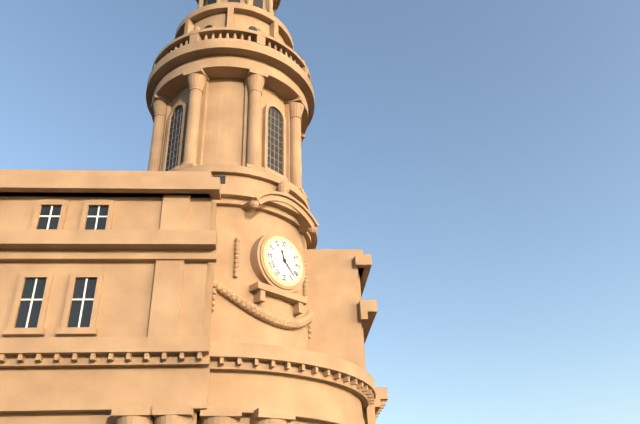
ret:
11,23
